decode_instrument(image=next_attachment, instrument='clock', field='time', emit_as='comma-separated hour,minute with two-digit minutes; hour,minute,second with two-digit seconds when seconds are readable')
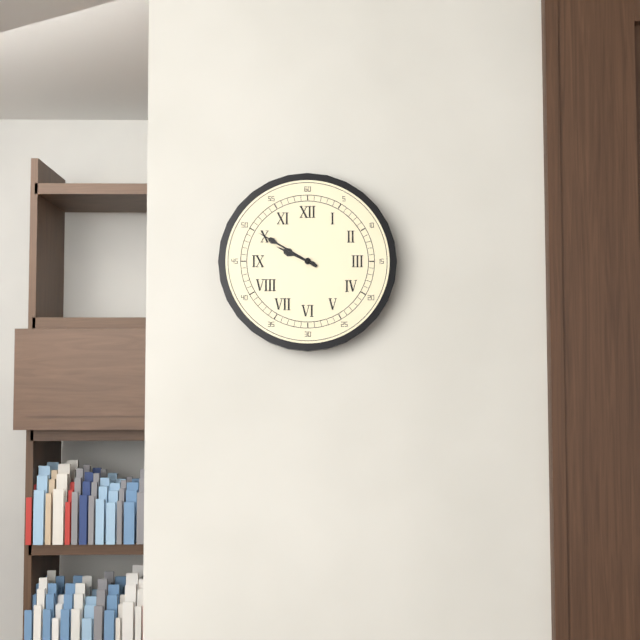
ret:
9,50
